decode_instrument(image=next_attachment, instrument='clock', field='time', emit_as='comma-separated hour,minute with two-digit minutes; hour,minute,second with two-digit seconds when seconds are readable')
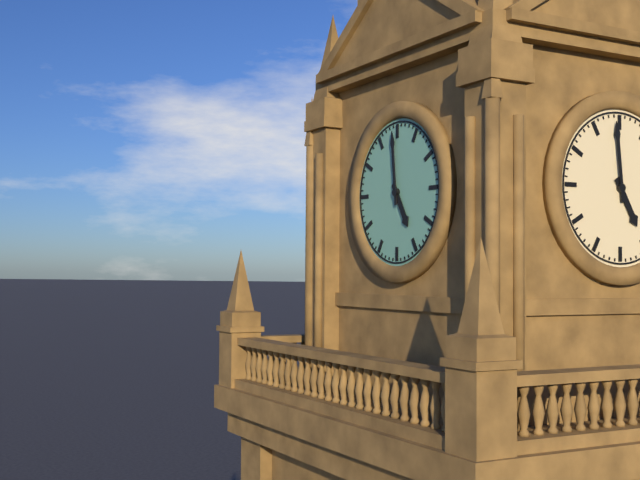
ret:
4,59
